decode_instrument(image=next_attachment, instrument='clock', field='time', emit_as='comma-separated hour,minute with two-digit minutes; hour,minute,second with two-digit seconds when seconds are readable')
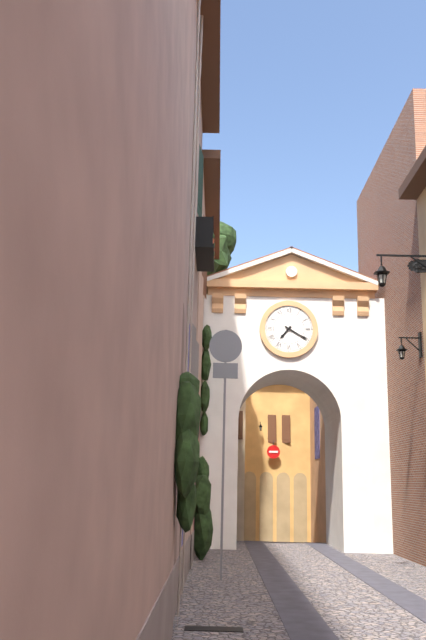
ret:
7,20
